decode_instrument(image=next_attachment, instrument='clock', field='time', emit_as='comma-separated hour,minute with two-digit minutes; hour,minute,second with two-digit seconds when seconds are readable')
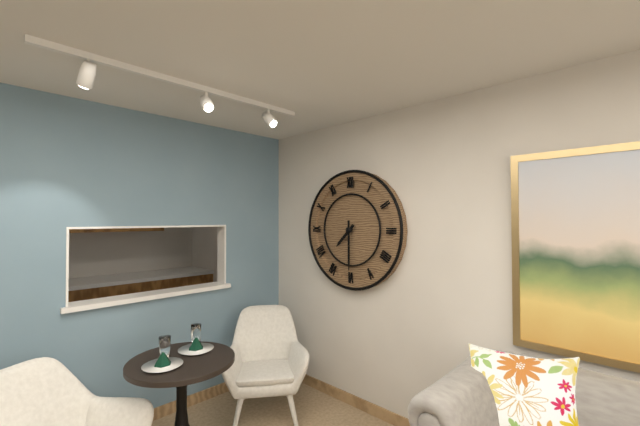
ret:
7,30
